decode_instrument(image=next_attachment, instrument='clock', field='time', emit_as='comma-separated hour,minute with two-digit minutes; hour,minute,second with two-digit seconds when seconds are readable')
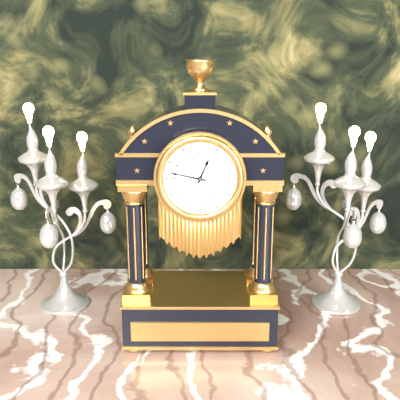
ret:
12,47
